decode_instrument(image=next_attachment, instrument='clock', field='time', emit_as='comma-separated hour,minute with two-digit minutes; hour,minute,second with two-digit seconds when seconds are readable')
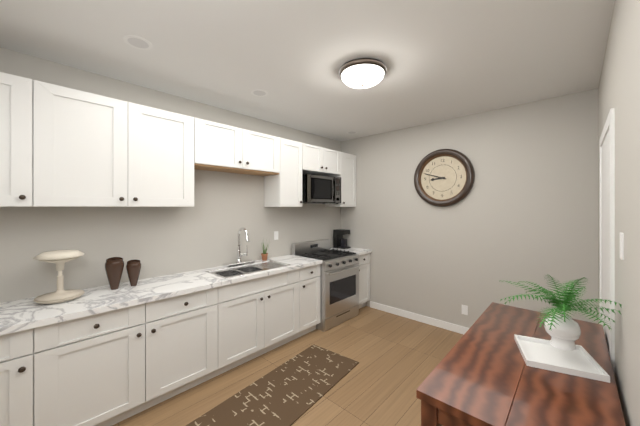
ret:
8,48
